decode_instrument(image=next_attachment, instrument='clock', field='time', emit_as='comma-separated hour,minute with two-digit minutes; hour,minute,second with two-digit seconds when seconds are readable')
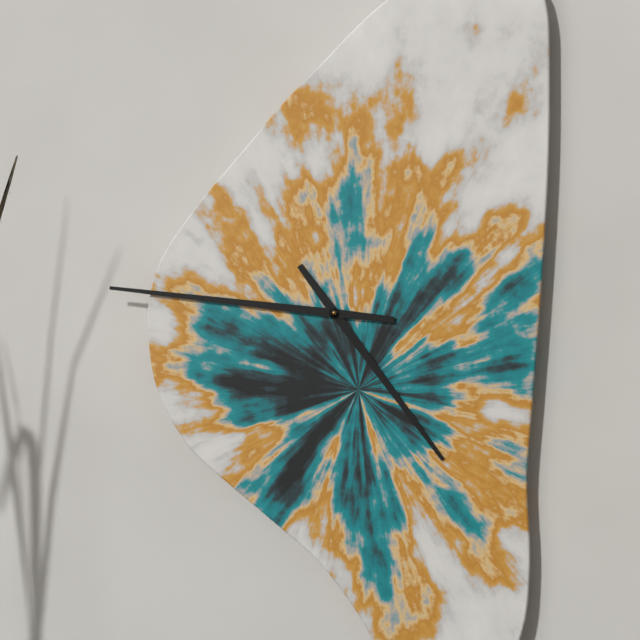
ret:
4,46
